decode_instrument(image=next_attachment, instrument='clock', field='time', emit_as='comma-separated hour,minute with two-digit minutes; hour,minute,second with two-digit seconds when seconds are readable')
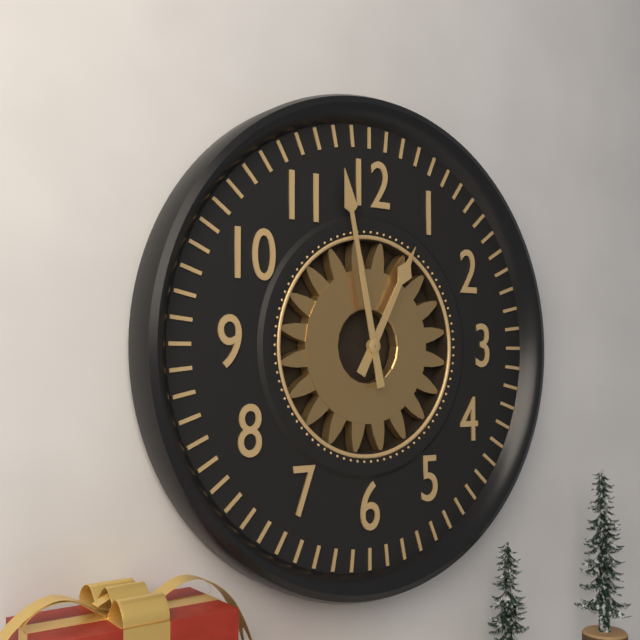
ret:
12,58
